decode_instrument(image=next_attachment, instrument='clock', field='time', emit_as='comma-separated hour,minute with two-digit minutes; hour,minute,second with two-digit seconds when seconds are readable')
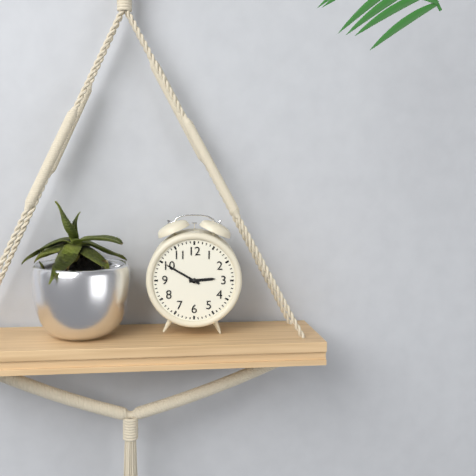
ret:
2,50
